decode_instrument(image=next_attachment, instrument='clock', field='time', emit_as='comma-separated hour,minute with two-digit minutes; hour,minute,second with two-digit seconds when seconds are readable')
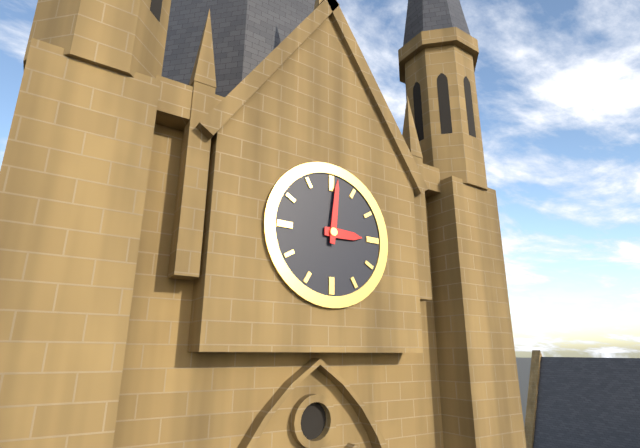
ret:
3,01
